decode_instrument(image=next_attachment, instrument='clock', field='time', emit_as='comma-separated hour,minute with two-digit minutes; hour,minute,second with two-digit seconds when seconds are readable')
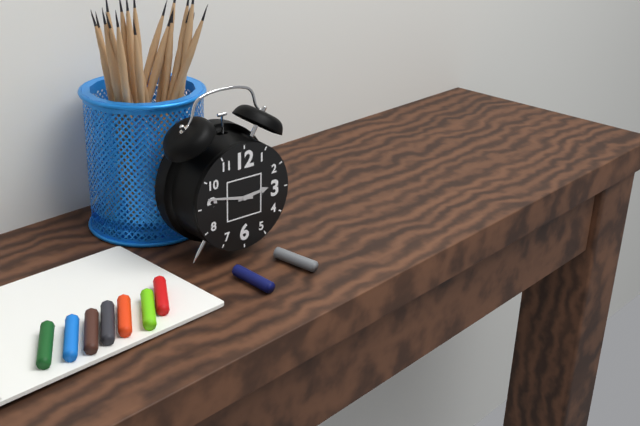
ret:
2,47
